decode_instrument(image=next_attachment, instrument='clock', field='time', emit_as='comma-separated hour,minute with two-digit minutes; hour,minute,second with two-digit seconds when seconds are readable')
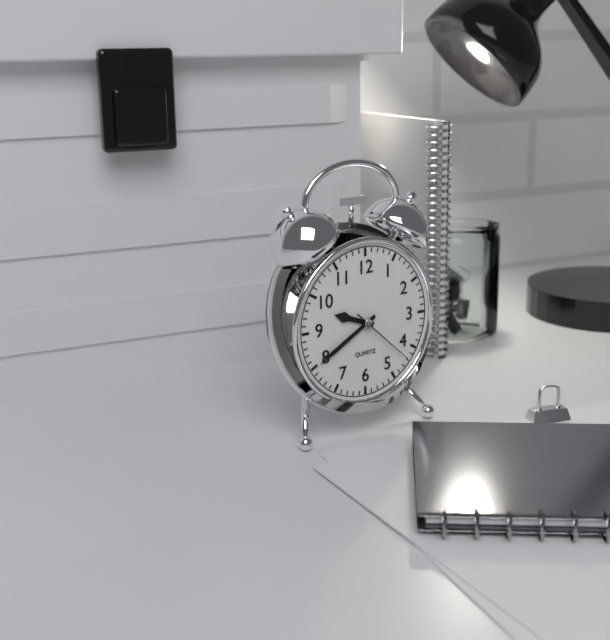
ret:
9,40,22
